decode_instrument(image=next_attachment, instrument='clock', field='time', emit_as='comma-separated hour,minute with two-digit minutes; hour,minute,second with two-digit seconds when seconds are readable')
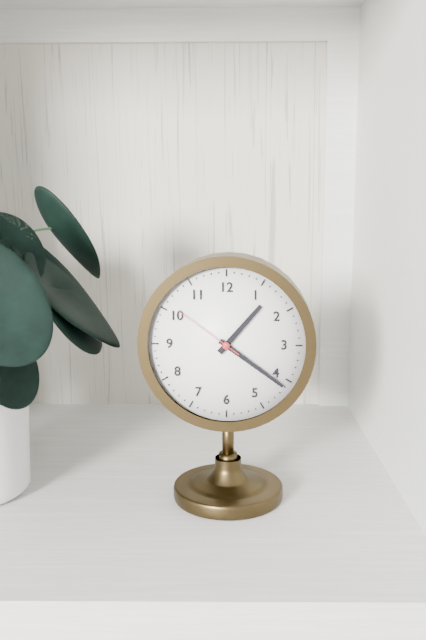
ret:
1,21,51
